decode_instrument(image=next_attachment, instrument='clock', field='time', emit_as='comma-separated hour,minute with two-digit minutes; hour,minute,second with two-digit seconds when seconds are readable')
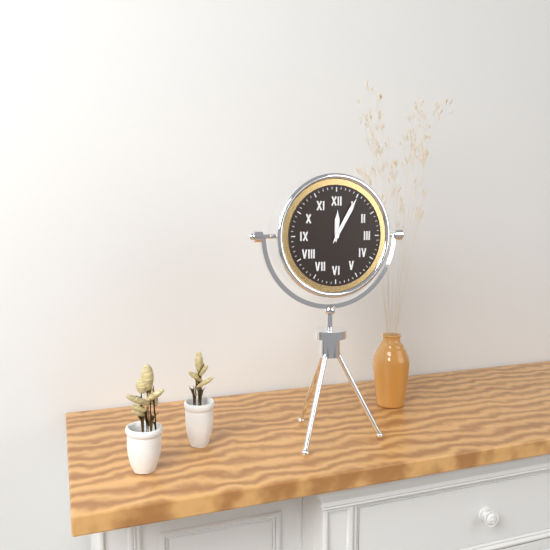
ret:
12,05
